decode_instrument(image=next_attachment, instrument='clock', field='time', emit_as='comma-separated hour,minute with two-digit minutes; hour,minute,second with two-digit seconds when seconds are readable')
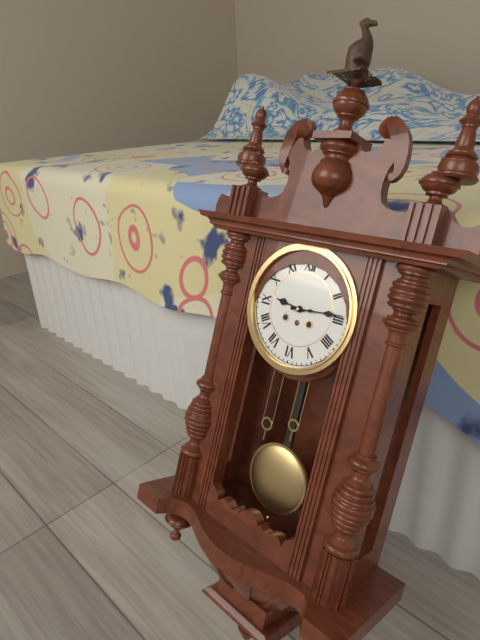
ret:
9,14
